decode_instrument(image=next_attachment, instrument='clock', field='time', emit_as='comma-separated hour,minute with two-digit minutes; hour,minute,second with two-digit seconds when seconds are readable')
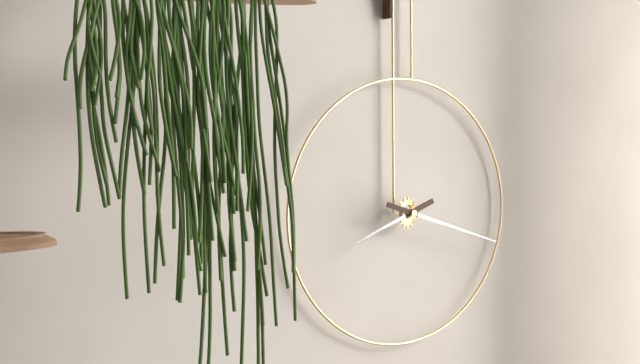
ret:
8,18
